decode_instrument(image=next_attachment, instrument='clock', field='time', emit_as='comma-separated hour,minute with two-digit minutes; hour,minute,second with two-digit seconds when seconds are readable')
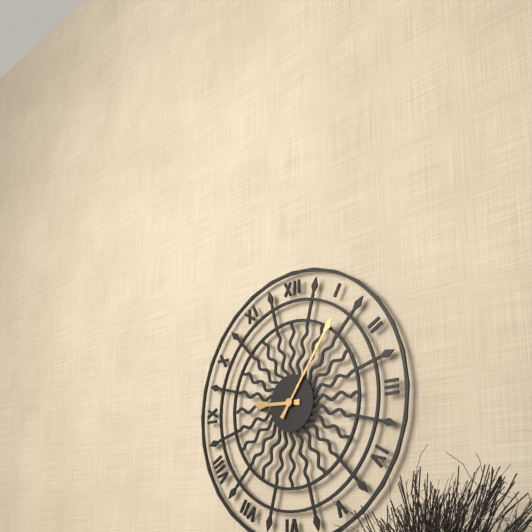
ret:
9,06
